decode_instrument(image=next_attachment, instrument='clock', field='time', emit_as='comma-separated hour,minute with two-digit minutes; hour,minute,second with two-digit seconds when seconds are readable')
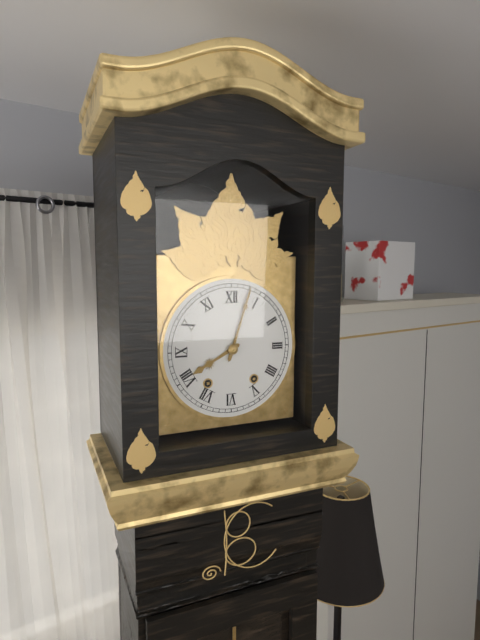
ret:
8,03
